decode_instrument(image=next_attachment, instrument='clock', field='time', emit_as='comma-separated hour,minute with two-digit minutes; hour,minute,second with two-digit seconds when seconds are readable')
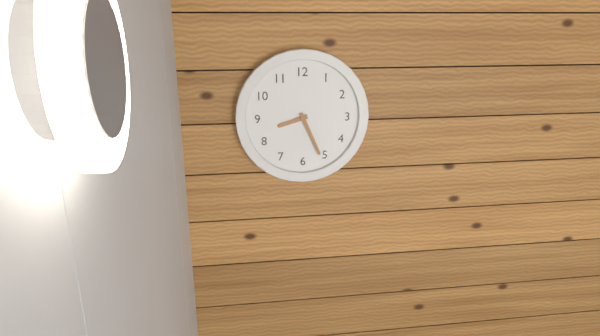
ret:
8,26
